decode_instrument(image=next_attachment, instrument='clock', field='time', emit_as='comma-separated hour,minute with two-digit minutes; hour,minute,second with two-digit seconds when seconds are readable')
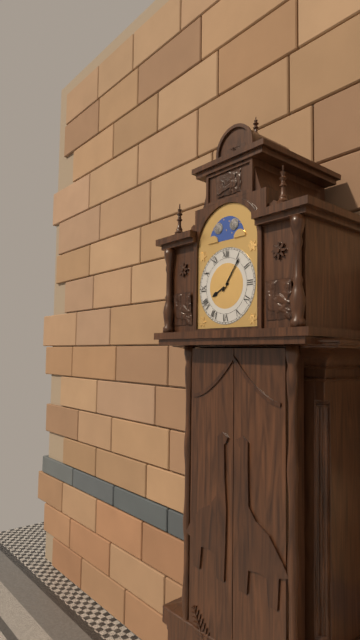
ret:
8,06
